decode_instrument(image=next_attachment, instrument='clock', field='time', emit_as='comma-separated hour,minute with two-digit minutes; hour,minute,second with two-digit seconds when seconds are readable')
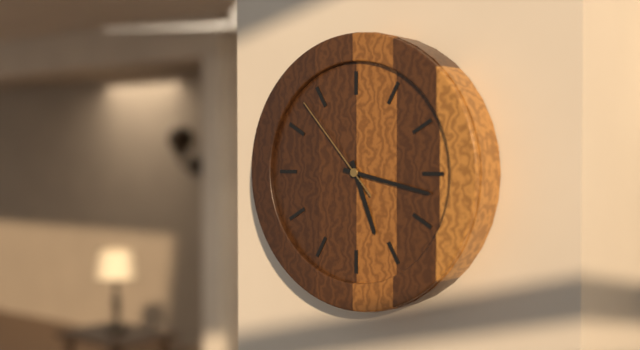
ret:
5,17,53
